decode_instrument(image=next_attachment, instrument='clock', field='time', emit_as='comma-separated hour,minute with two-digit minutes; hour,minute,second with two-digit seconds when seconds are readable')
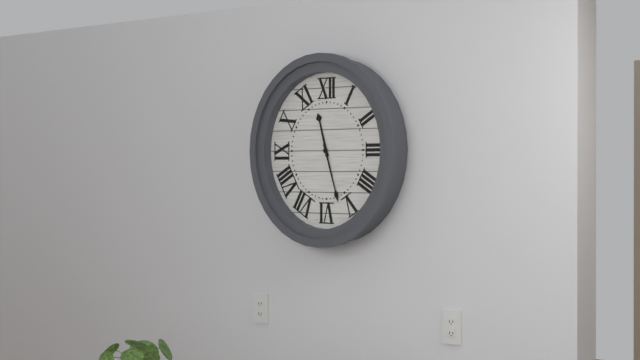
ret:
11,27
